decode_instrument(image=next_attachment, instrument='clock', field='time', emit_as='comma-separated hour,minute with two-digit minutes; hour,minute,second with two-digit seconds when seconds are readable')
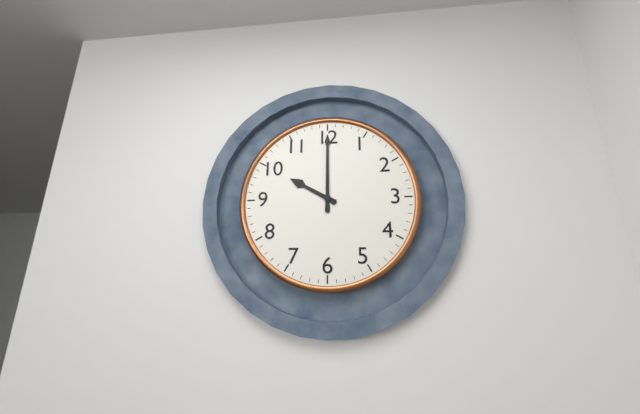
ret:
10,00
